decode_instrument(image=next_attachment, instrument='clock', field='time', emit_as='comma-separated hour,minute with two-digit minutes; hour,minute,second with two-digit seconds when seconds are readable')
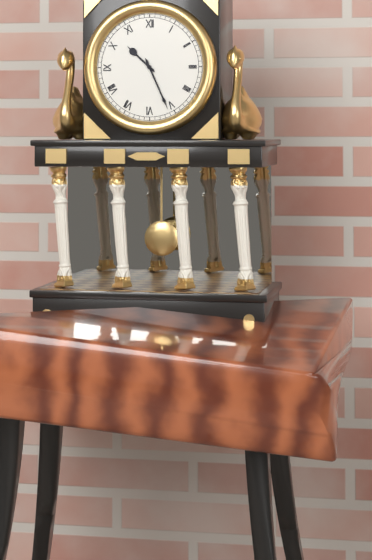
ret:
10,26
